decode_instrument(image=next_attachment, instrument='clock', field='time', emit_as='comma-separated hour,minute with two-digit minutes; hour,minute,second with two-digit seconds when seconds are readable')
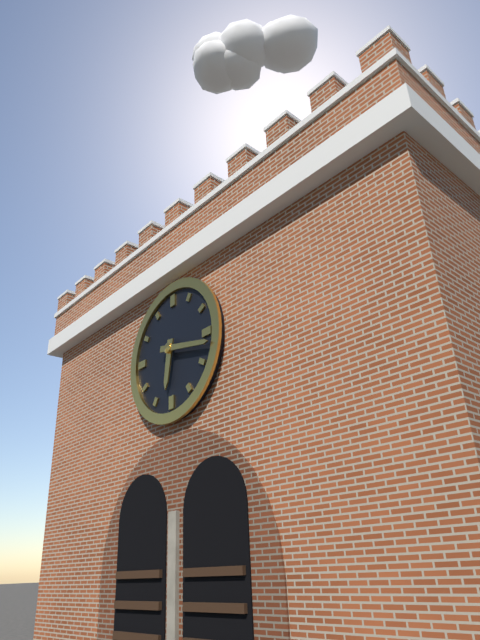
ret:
6,17
